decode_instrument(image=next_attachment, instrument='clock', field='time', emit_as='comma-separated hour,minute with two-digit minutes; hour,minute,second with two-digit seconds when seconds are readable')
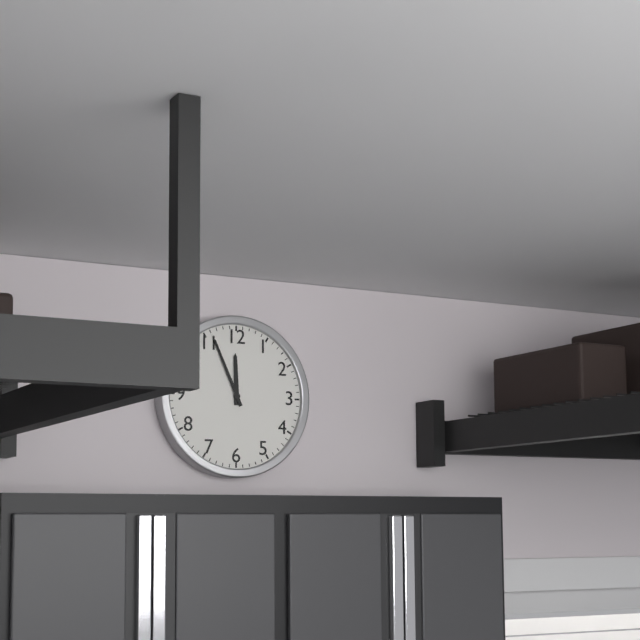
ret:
11,56
